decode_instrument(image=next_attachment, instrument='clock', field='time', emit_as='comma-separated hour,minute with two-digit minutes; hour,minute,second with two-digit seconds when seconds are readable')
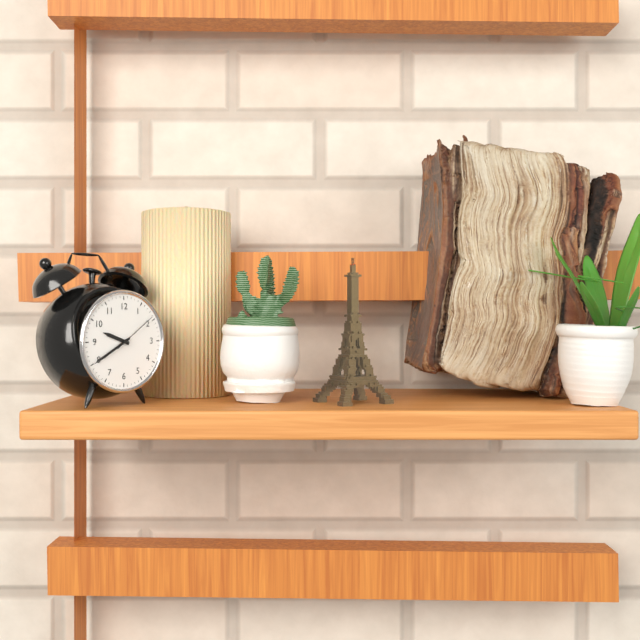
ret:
9,40
